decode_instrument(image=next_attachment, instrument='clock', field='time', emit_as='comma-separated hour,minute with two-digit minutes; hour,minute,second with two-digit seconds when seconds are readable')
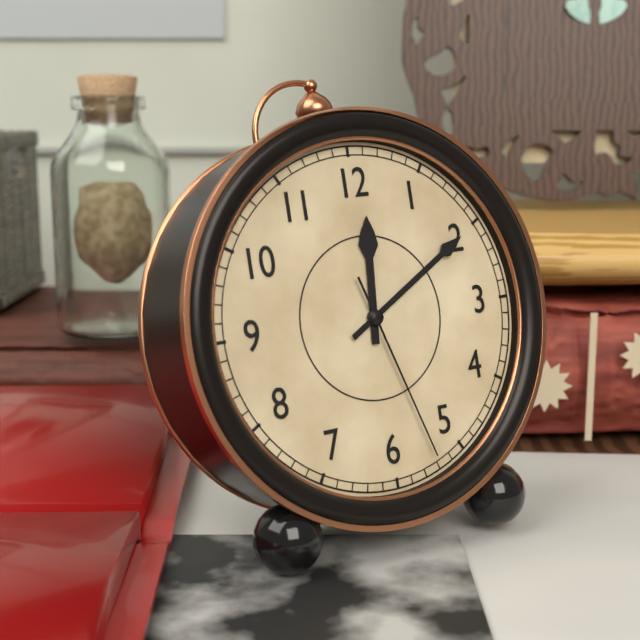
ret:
12,10,27
